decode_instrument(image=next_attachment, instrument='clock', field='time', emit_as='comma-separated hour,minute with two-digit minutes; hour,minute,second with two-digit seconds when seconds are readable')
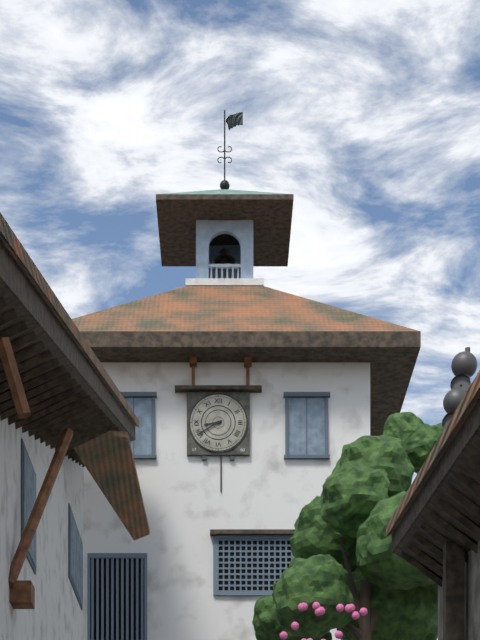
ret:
8,40
